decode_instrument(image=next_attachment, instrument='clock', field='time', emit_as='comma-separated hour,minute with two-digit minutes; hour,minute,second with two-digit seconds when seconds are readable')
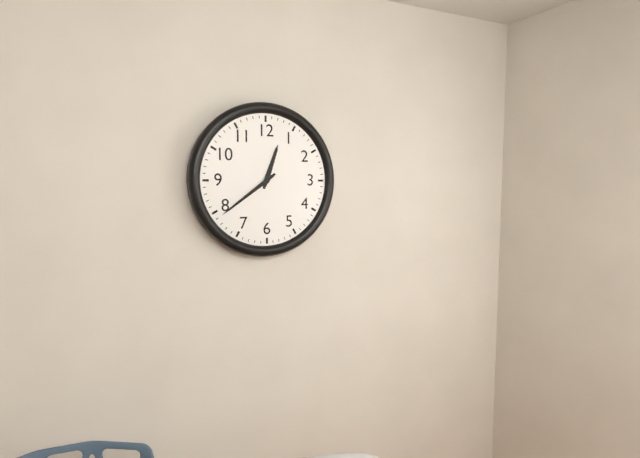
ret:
12,39
